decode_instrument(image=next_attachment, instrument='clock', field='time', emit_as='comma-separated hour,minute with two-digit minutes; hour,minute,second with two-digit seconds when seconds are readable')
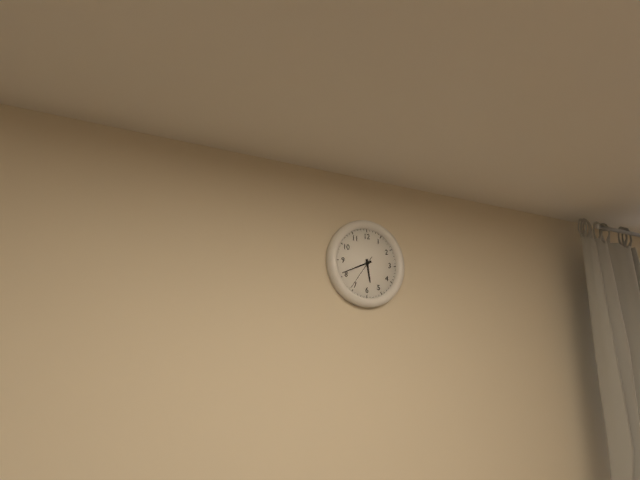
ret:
5,41
